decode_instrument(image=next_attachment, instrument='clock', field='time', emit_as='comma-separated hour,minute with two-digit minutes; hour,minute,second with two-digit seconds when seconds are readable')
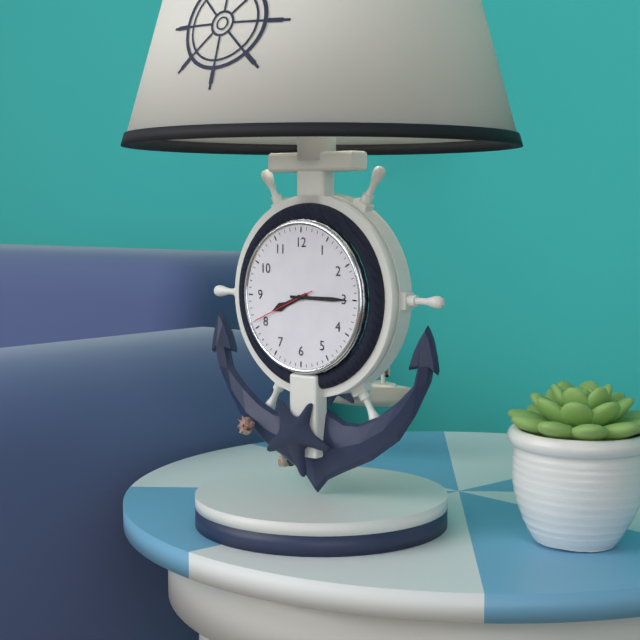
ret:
8,15,41
